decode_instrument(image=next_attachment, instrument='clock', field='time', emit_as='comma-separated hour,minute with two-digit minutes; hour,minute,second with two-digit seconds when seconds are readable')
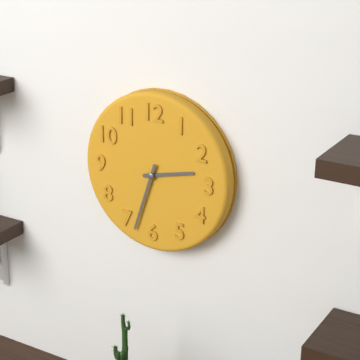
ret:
2,33
